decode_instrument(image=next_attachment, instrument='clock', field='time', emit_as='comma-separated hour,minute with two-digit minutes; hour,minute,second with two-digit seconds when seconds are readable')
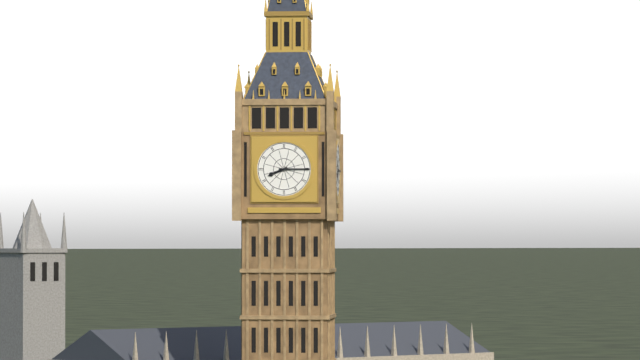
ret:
8,15
